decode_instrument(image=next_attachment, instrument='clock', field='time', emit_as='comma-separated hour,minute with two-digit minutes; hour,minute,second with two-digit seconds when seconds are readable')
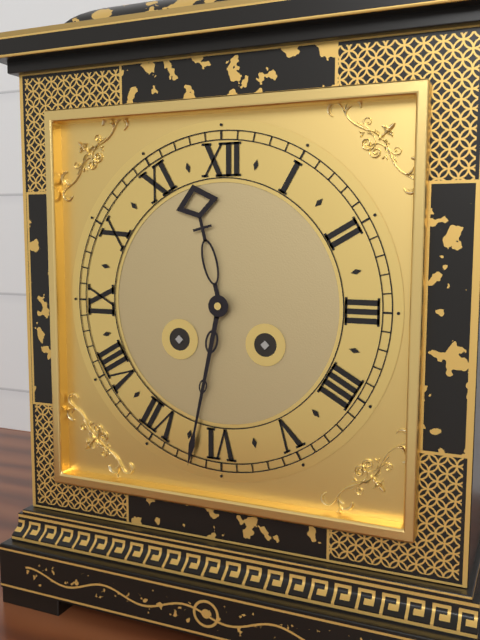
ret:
11,32
